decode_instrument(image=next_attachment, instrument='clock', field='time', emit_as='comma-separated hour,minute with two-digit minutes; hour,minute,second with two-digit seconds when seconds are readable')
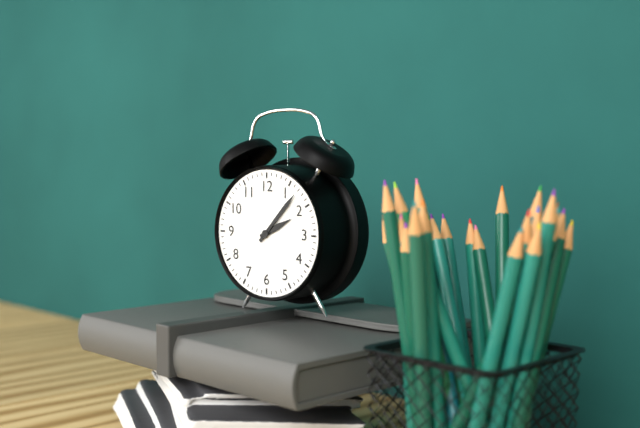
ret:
2,07
